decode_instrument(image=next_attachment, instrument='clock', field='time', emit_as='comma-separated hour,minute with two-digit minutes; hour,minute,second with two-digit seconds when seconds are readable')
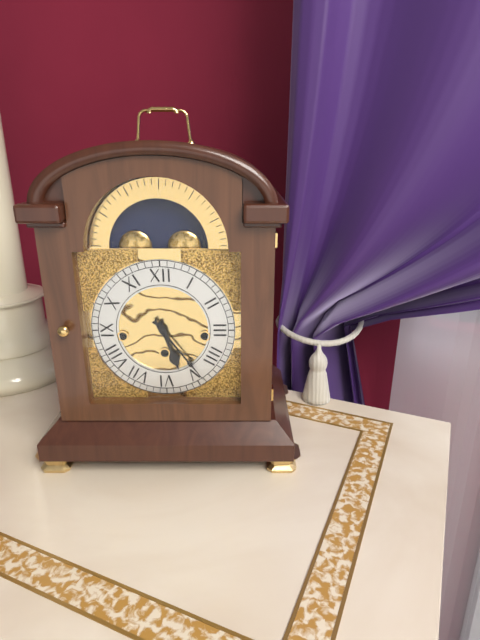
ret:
5,24
